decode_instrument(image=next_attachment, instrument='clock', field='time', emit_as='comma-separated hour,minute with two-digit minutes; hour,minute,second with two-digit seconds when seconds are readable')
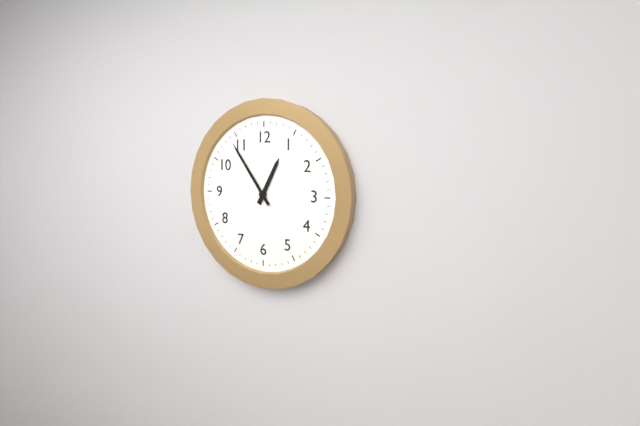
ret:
12,54
